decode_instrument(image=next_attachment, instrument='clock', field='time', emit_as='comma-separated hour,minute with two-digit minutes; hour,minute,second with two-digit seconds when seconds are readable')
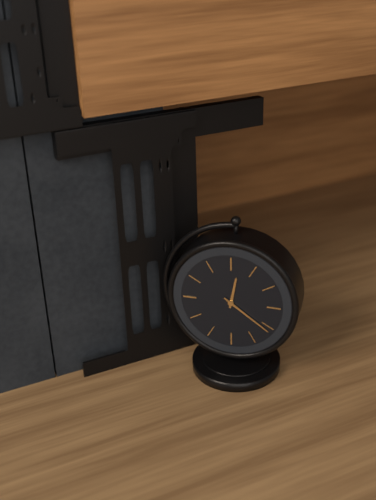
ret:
12,21
